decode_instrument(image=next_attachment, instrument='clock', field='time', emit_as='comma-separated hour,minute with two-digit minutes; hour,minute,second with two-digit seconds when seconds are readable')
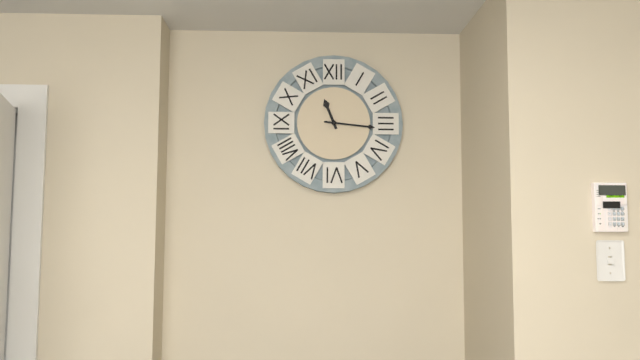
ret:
11,16
